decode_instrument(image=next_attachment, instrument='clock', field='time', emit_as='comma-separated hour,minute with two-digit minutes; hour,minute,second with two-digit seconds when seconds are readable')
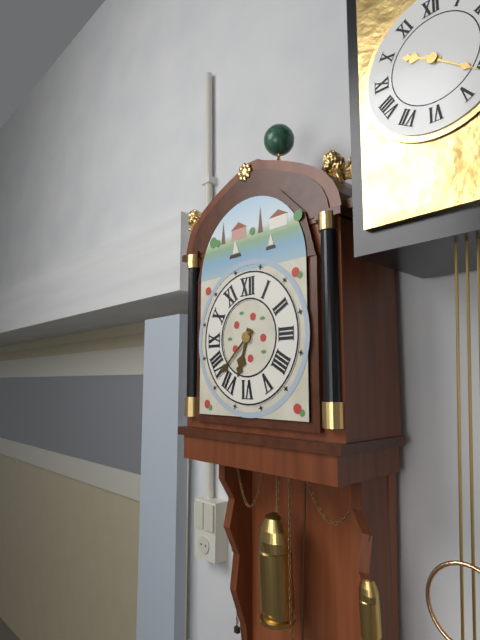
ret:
6,38
